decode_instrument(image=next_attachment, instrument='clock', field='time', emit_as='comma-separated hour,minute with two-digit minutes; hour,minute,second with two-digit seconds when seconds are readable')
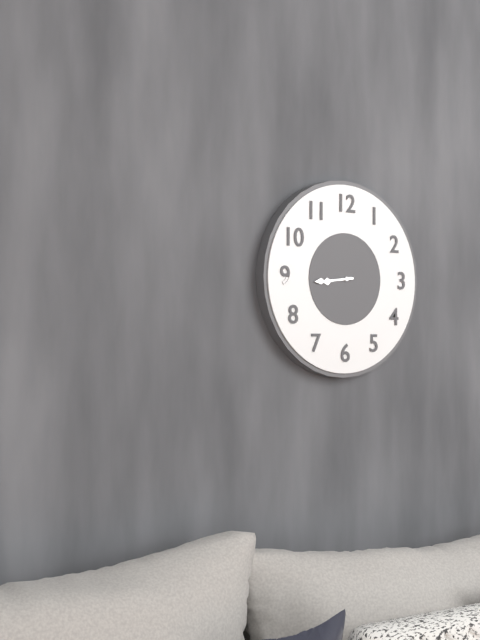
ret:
8,44
